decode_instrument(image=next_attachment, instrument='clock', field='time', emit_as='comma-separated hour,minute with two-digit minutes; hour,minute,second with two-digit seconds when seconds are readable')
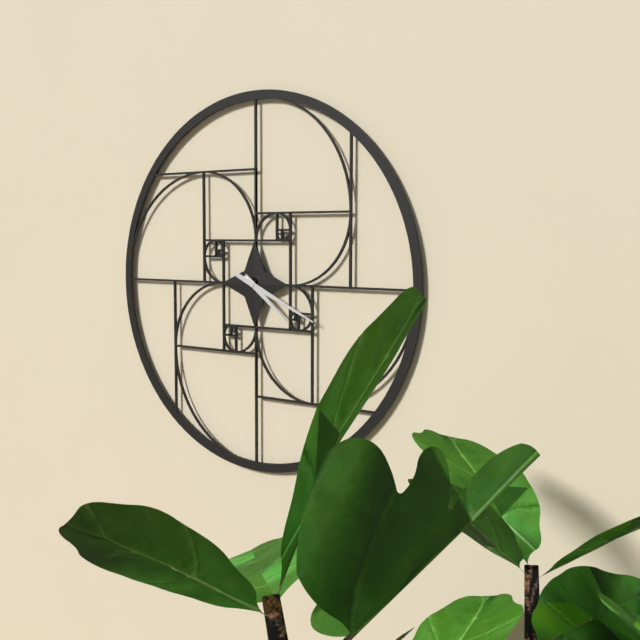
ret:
4,19
